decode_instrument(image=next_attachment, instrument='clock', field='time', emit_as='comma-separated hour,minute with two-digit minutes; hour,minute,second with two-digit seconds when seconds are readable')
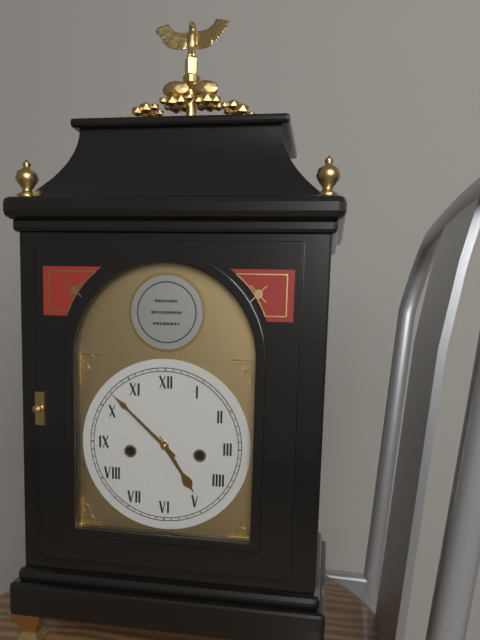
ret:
4,52
